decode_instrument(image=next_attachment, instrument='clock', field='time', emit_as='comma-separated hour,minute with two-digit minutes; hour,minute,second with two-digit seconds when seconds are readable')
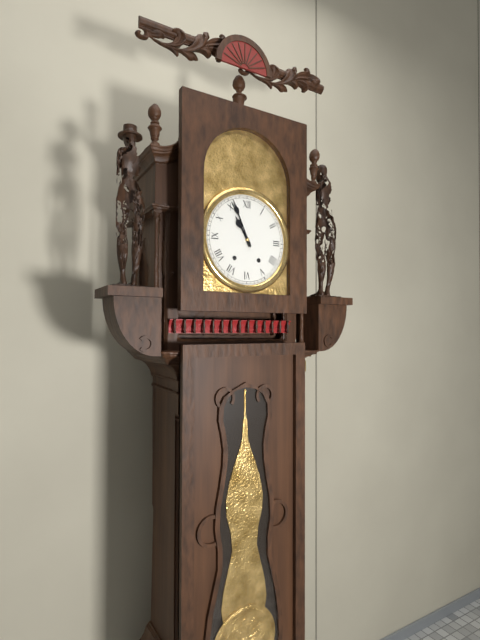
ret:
10,56
